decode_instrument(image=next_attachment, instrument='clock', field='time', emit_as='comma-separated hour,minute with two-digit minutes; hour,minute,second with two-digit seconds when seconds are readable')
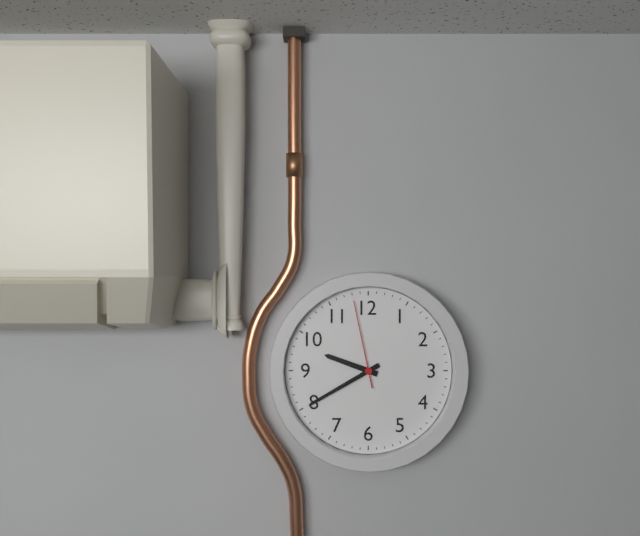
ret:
9,40,58
